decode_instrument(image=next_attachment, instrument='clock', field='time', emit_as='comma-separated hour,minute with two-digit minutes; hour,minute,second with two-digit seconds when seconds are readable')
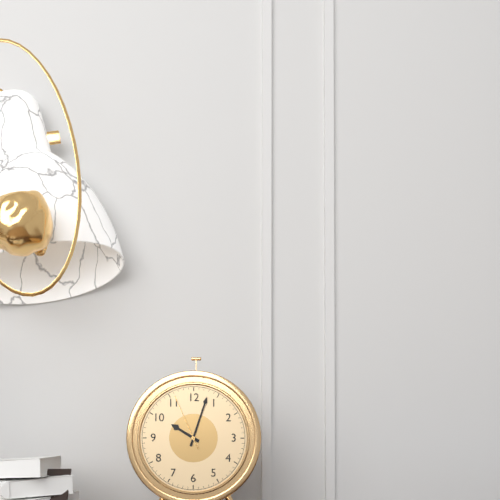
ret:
10,03,56
